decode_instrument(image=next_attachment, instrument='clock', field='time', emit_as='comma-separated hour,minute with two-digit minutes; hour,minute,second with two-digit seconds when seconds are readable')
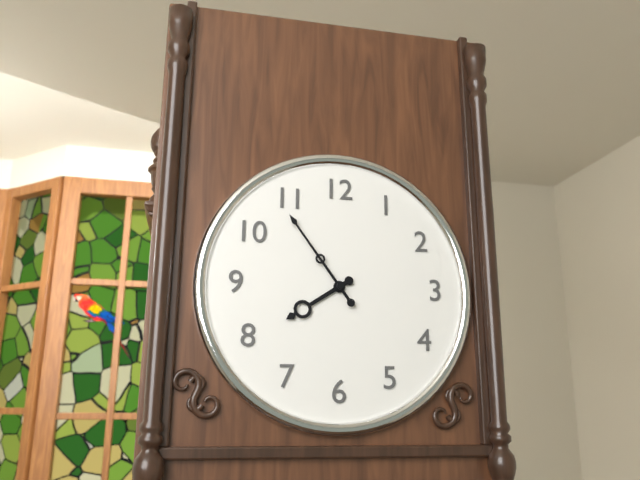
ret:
7,54
